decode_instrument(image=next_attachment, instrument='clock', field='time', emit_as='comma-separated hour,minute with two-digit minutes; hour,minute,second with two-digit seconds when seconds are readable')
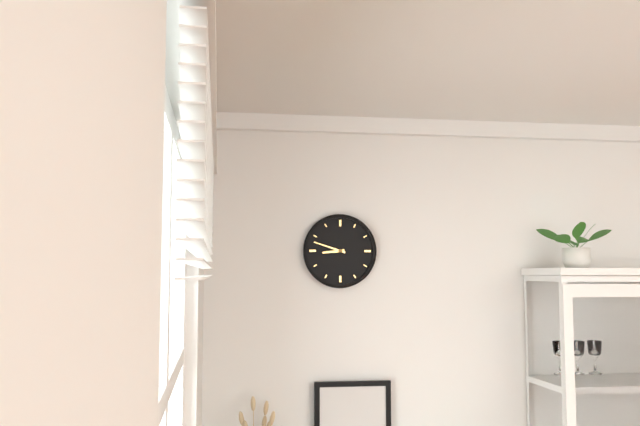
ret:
8,48
